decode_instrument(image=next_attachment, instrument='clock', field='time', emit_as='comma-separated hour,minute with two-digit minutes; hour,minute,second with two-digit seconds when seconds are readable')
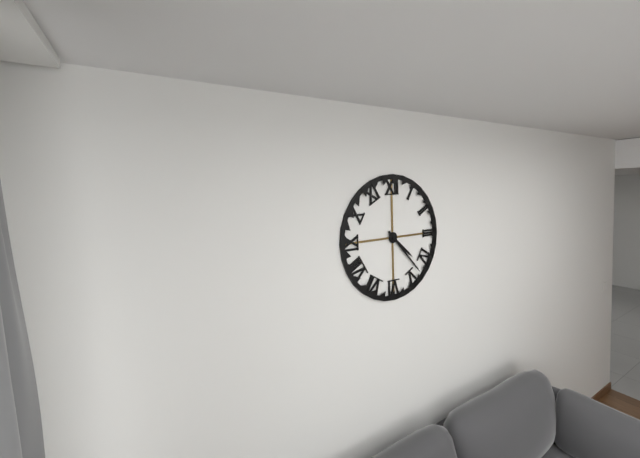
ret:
4,23
